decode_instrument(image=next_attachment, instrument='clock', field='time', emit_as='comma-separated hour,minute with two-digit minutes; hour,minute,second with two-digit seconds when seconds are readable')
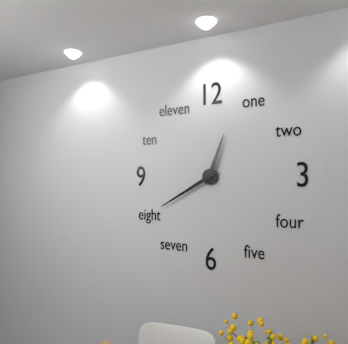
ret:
12,40
